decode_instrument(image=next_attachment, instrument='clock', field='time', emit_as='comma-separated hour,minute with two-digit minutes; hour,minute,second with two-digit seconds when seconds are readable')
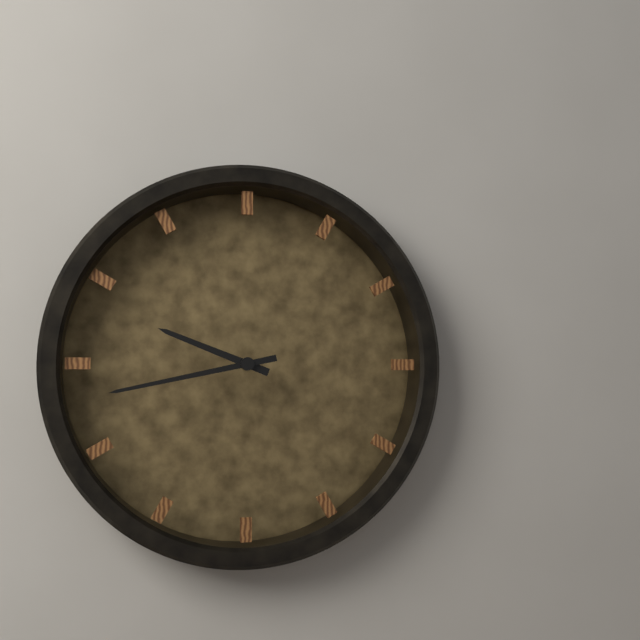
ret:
9,43
